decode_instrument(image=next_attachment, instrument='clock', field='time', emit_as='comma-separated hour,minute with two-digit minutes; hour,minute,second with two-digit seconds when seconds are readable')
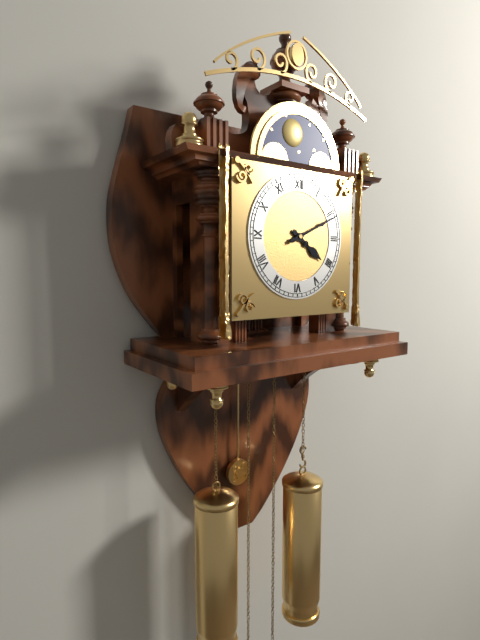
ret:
4,11
